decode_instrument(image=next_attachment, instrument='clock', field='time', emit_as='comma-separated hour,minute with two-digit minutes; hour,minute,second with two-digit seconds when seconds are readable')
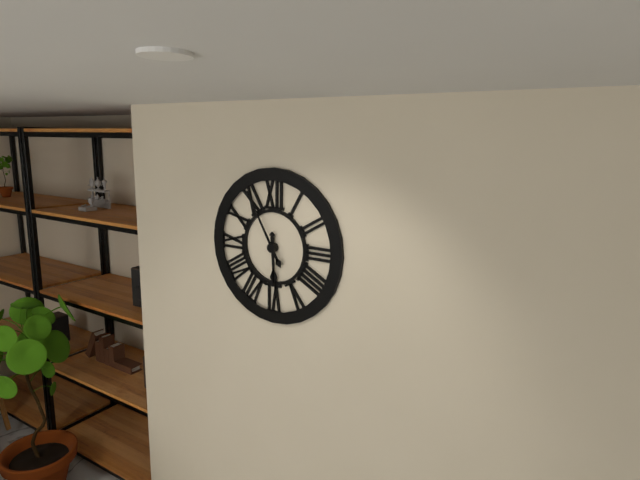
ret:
5,55
